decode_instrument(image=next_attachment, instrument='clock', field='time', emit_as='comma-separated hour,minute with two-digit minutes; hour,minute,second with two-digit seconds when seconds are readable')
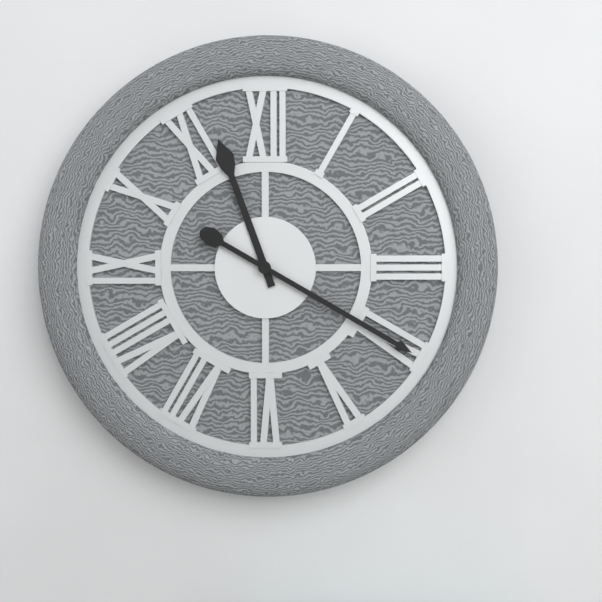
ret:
11,20
